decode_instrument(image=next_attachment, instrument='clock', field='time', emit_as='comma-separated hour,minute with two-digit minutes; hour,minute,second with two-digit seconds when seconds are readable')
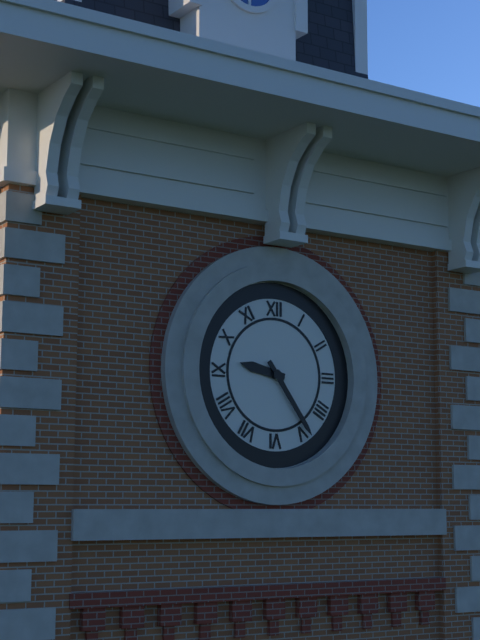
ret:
9,24
